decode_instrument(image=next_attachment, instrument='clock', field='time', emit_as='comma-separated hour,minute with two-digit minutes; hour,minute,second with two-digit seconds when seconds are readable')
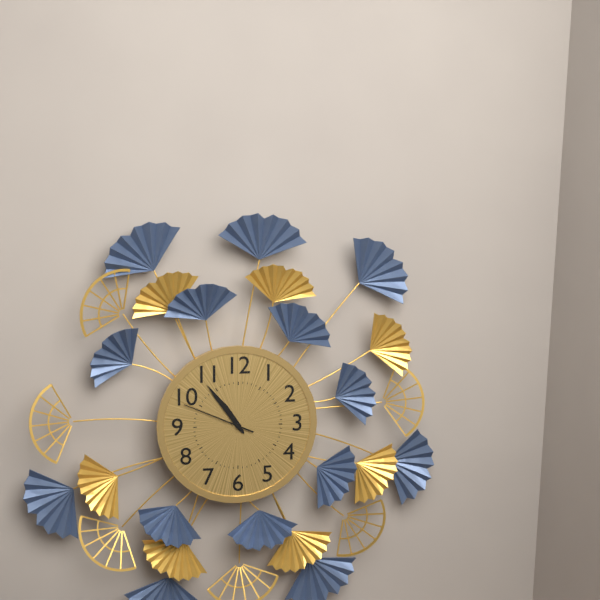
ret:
10,54,49
